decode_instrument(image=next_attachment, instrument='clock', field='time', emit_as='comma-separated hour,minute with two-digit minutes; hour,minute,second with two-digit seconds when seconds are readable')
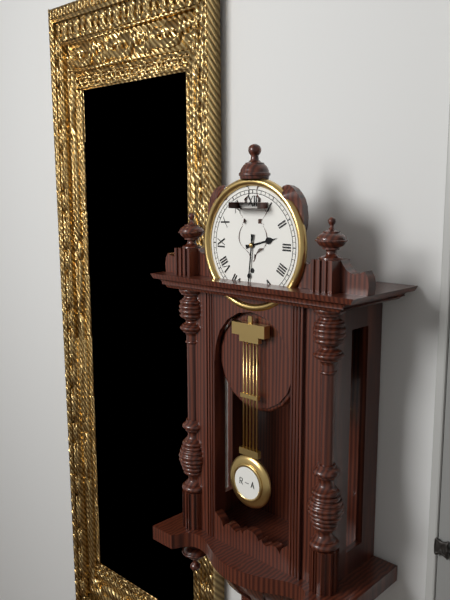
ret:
2,31
